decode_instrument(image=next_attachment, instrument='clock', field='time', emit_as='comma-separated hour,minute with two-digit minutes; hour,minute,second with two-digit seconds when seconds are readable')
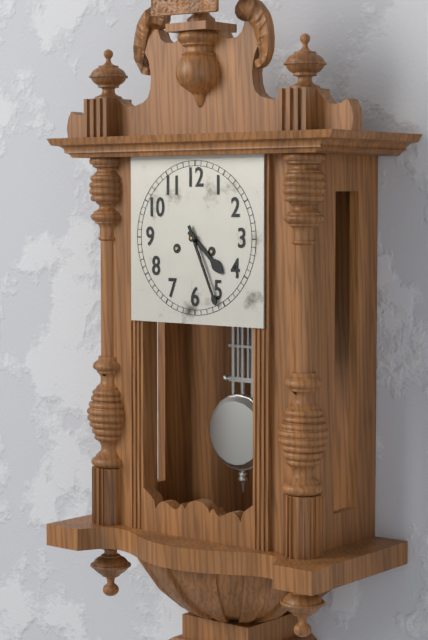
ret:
4,26
